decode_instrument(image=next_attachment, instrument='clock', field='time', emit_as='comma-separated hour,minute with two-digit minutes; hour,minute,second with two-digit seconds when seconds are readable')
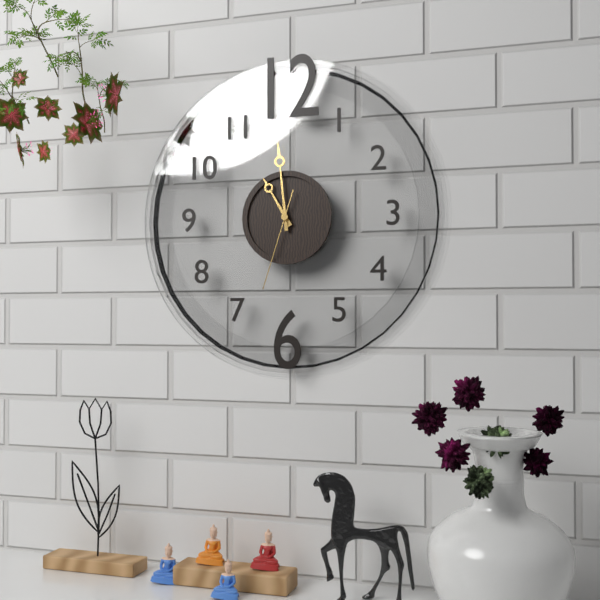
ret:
10,59,33
